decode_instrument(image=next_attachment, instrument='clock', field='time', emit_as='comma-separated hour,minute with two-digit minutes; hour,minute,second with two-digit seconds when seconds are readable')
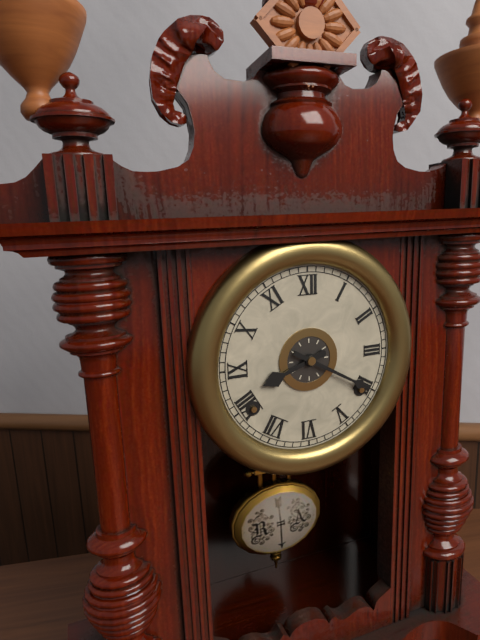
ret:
8,20
